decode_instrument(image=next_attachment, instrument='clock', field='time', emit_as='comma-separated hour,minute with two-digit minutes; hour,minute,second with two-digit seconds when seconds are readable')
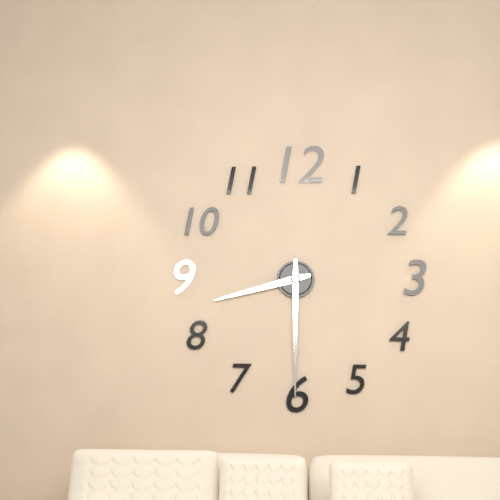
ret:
8,30
